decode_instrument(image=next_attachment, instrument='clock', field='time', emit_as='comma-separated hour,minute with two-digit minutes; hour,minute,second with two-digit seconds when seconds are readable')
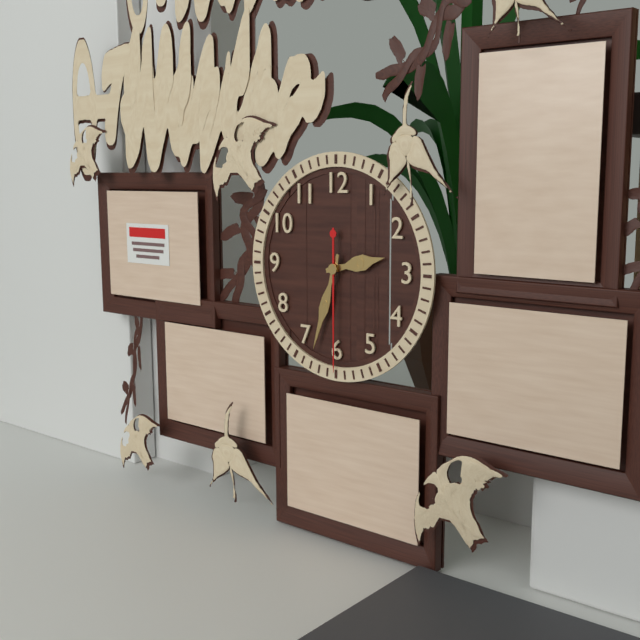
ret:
2,33,30
